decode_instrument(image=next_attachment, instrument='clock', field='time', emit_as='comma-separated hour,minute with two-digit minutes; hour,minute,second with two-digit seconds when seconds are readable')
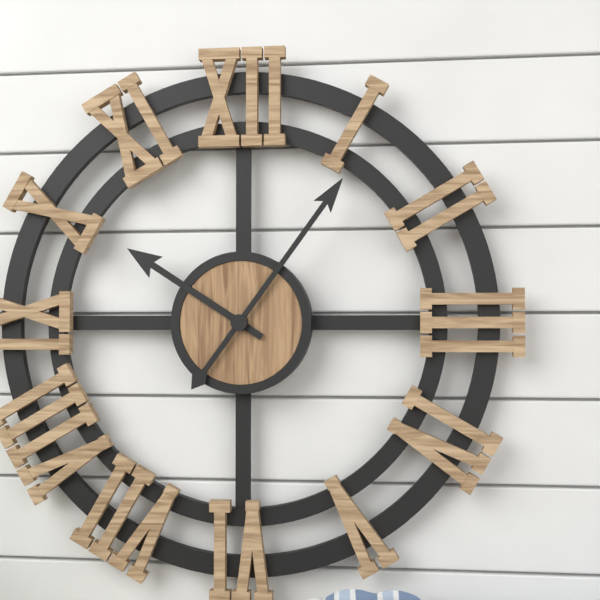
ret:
10,06
